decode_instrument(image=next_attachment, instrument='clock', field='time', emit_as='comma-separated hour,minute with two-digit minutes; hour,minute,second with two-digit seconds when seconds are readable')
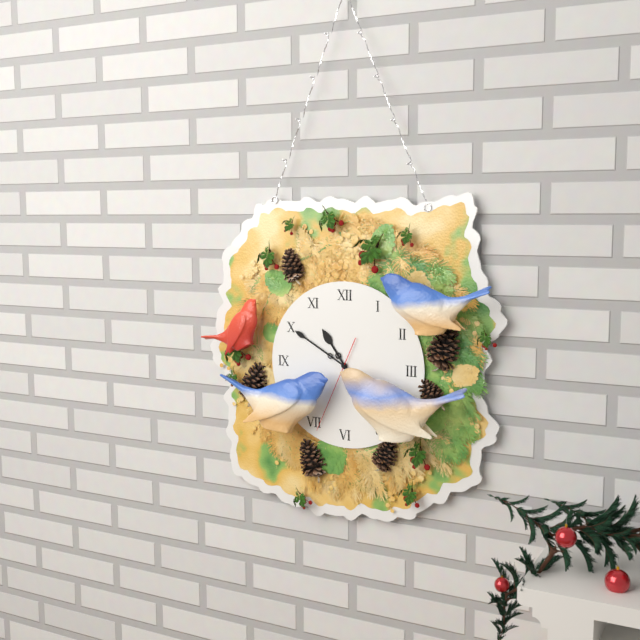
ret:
10,50,34
